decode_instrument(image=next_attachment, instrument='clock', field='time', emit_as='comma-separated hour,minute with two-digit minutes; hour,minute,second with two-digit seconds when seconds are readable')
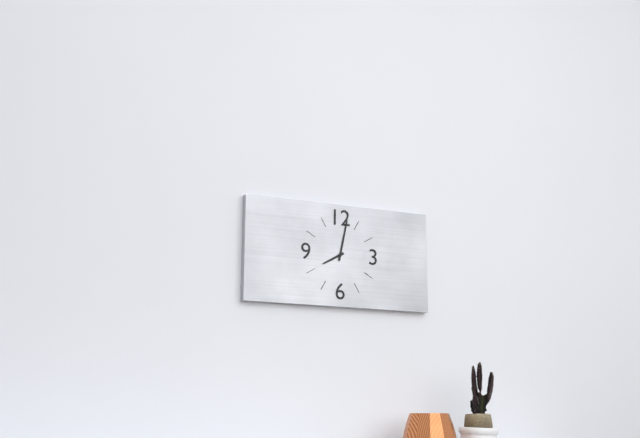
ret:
8,02
